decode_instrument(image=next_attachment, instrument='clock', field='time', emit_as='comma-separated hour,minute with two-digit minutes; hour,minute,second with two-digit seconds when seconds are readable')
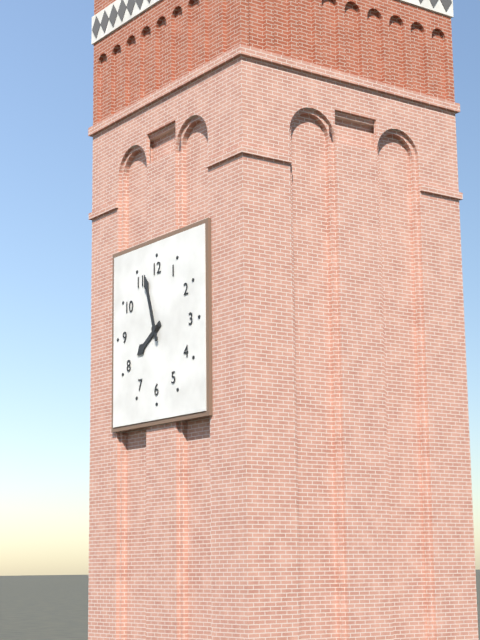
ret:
7,57
